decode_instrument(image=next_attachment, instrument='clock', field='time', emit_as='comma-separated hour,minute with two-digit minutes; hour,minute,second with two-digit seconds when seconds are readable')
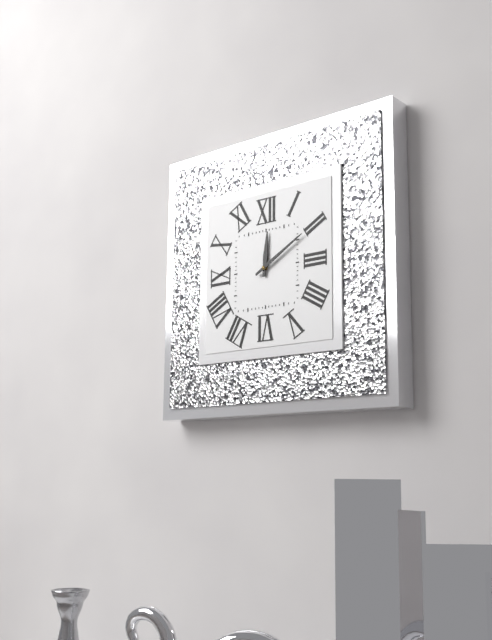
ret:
12,10
